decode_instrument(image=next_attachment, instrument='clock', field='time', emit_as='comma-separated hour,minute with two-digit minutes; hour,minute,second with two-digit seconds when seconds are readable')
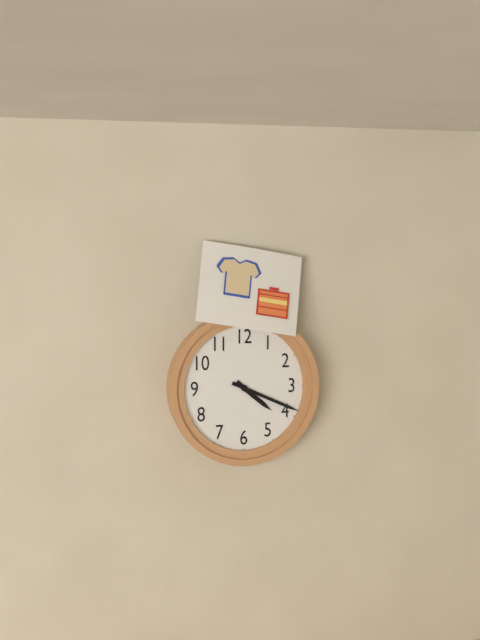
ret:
4,19
